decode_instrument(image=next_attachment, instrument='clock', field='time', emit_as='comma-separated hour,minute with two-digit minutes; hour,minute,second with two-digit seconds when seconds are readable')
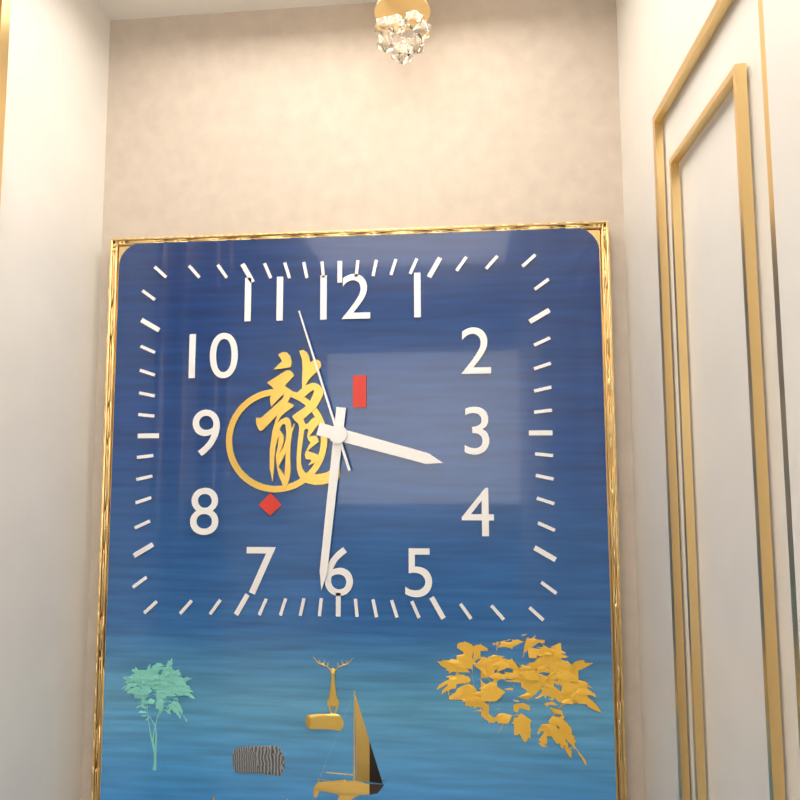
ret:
3,31,57
